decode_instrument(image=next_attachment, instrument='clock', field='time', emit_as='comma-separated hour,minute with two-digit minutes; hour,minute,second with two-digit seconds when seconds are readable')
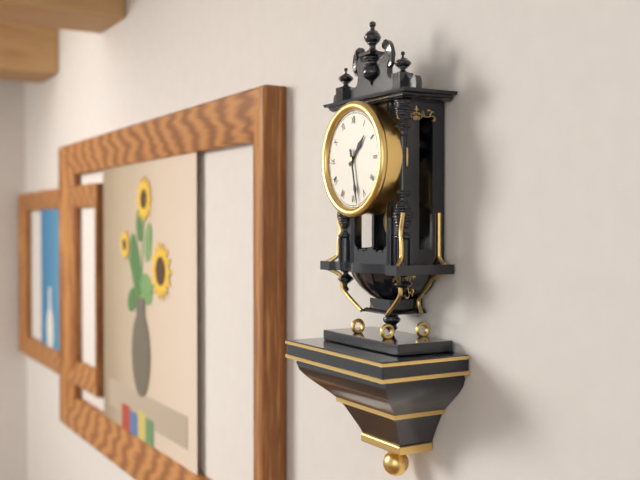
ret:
1,28
